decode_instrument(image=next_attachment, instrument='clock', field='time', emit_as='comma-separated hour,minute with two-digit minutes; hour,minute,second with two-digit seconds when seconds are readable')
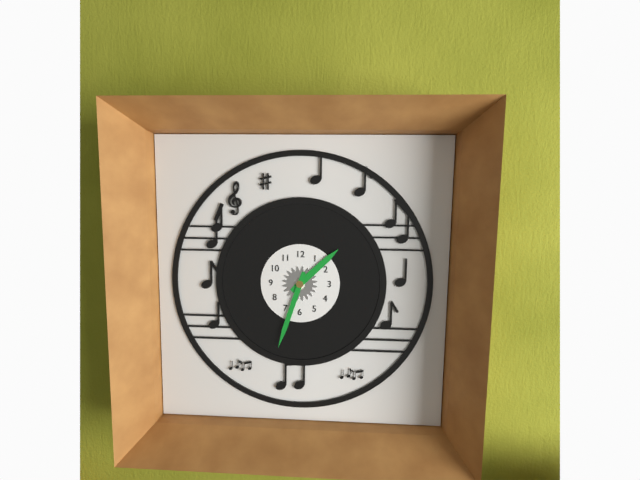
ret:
1,33
